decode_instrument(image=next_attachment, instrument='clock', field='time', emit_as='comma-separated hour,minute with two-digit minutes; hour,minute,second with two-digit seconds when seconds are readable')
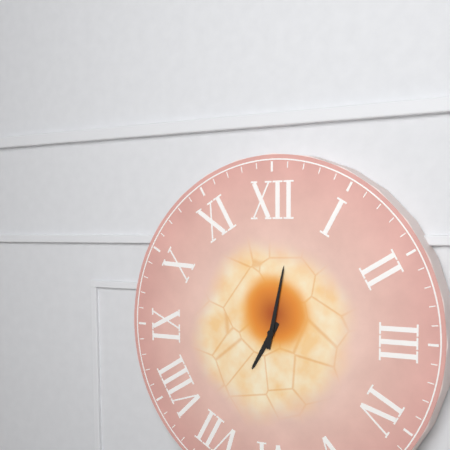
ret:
7,02
